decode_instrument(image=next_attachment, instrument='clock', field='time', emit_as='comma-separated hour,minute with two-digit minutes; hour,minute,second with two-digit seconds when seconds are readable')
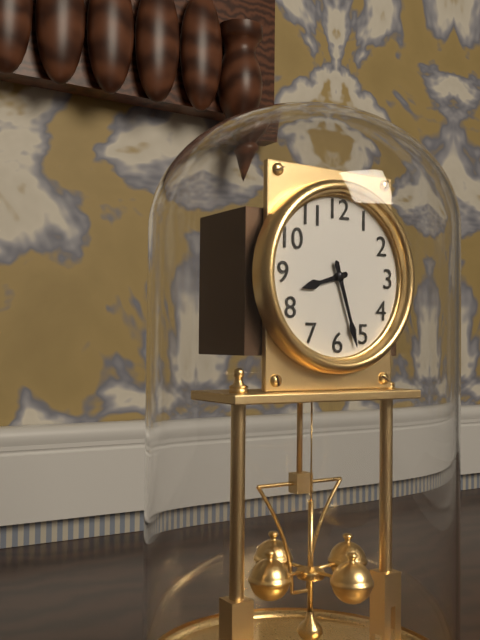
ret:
8,27
